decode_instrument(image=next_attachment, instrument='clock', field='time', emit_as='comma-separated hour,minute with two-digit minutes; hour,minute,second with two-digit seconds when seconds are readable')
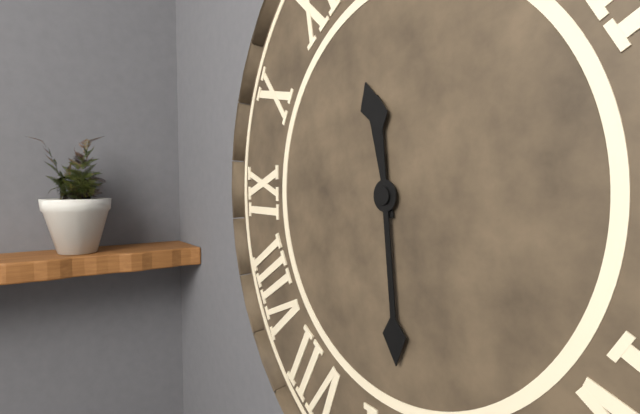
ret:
11,29
